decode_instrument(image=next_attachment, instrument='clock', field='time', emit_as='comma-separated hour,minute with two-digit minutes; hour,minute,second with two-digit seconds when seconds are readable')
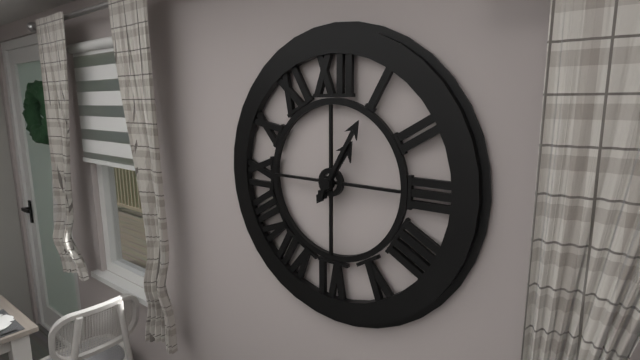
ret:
1,05
